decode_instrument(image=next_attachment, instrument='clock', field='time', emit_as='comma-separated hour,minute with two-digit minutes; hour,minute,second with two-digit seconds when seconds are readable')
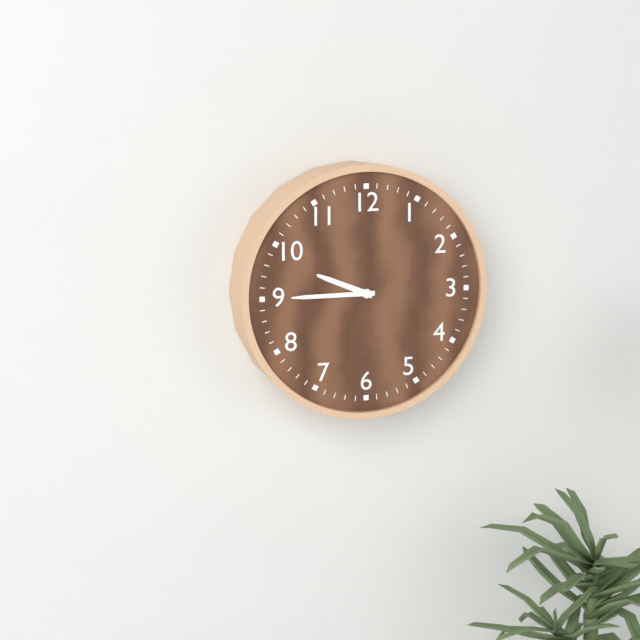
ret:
9,45
